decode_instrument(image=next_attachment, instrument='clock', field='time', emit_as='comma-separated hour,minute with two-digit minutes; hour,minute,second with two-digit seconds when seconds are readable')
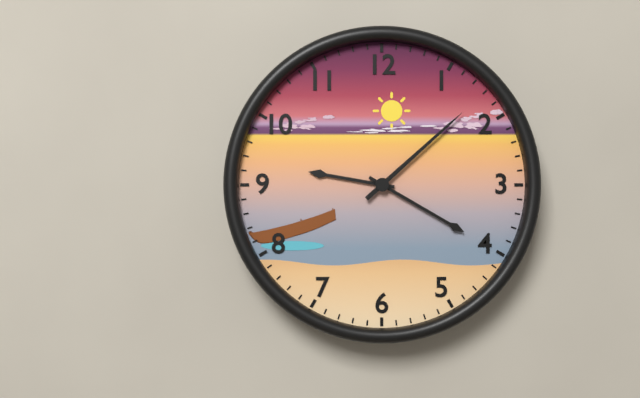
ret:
9,20,08
